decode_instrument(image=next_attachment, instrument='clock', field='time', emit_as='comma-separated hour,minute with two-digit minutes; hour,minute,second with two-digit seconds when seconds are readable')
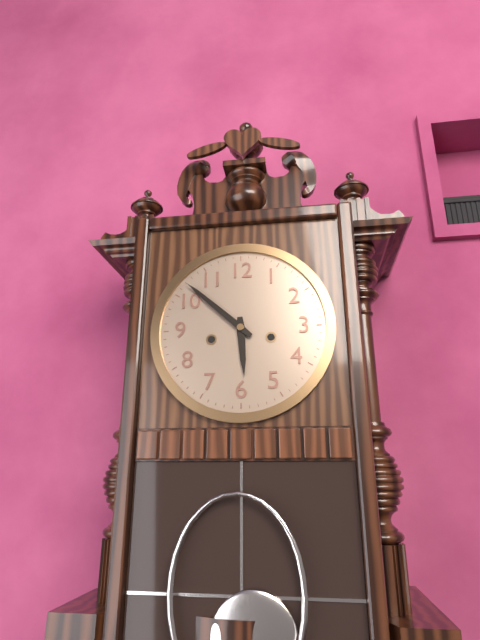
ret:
5,52
